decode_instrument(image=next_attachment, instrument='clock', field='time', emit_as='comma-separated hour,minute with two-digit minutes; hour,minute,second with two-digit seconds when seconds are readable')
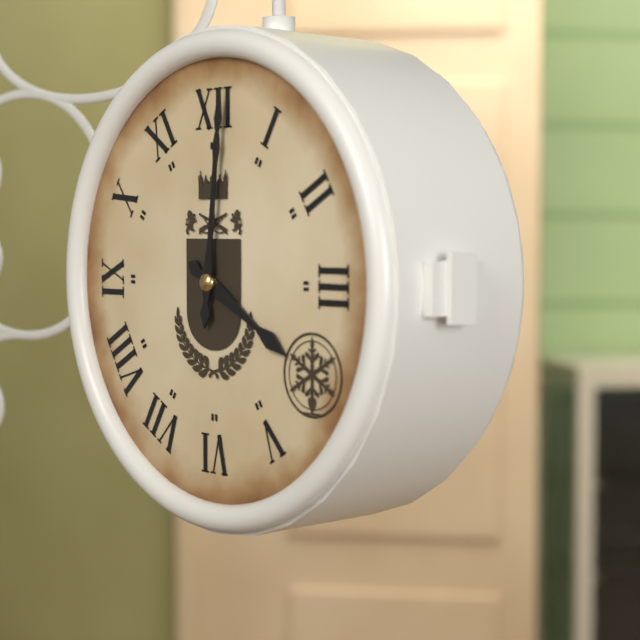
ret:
4,01
